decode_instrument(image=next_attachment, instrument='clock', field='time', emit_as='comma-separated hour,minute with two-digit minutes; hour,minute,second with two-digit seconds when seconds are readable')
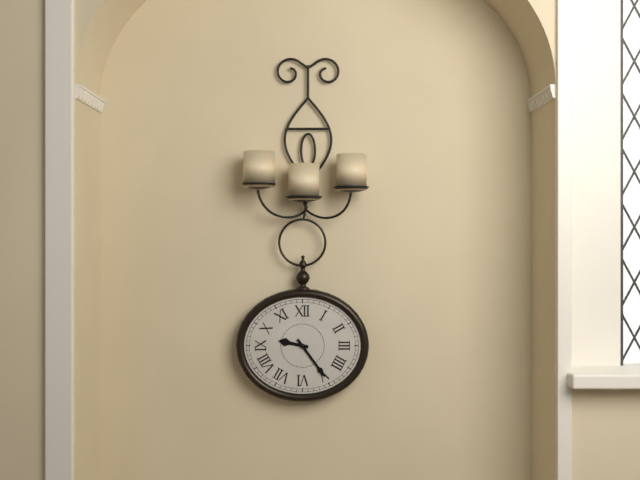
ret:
9,24
